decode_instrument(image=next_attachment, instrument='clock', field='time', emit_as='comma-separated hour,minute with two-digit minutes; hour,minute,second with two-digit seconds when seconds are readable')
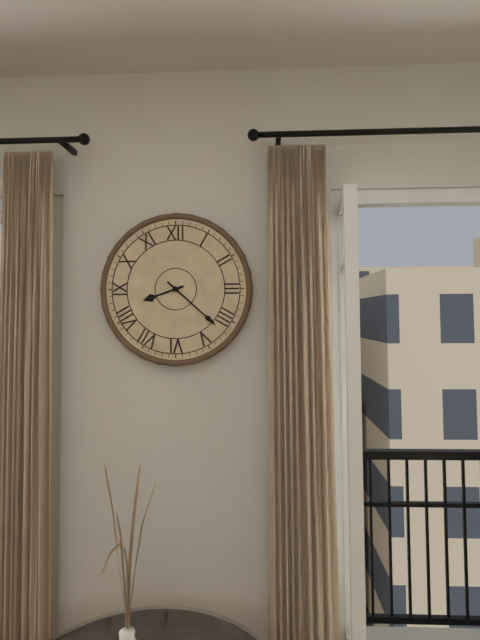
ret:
8,22
